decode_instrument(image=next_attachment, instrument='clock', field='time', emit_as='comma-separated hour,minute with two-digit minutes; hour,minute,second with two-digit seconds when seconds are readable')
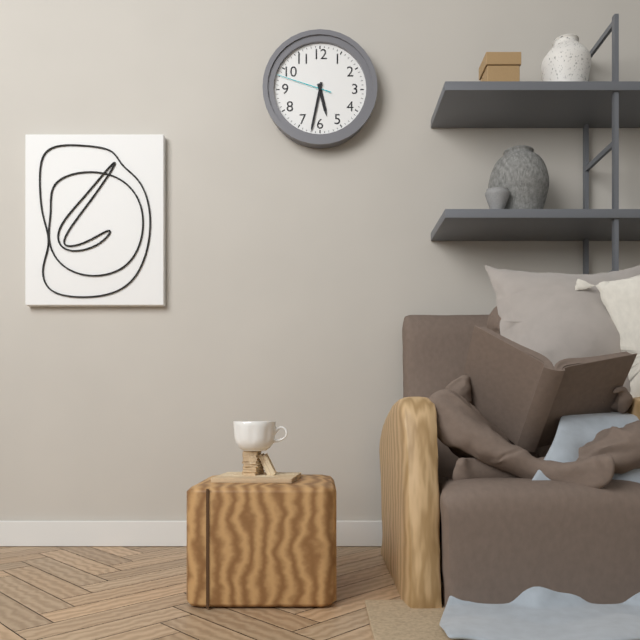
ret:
5,32,48
